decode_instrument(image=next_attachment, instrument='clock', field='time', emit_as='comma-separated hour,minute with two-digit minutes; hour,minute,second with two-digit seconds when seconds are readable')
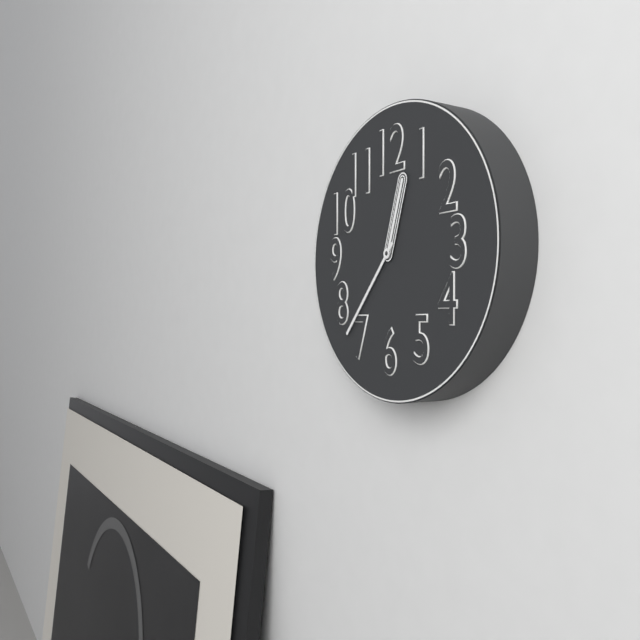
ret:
12,37
